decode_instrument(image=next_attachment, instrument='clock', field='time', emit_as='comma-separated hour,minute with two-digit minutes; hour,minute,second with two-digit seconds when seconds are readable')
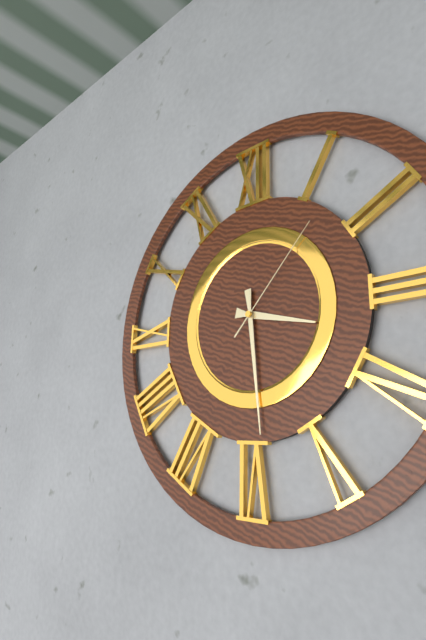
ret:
3,29,07
